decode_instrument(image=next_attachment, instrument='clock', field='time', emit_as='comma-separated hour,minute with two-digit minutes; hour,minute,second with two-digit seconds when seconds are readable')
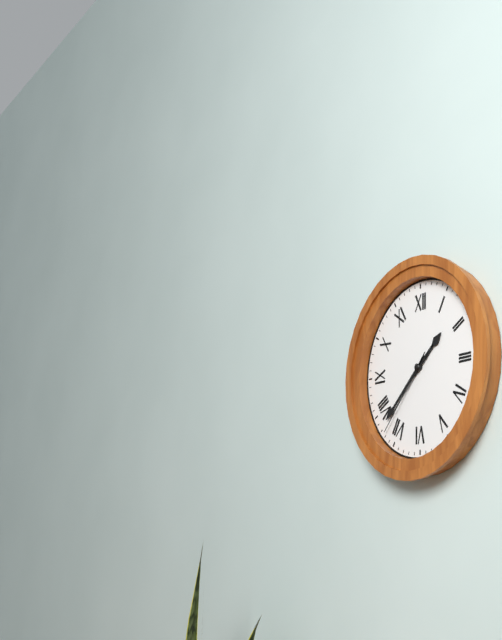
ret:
1,38,37
